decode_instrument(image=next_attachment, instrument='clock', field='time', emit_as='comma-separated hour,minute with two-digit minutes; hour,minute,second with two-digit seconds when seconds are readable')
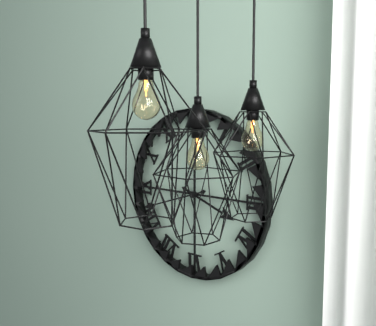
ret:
3,42
